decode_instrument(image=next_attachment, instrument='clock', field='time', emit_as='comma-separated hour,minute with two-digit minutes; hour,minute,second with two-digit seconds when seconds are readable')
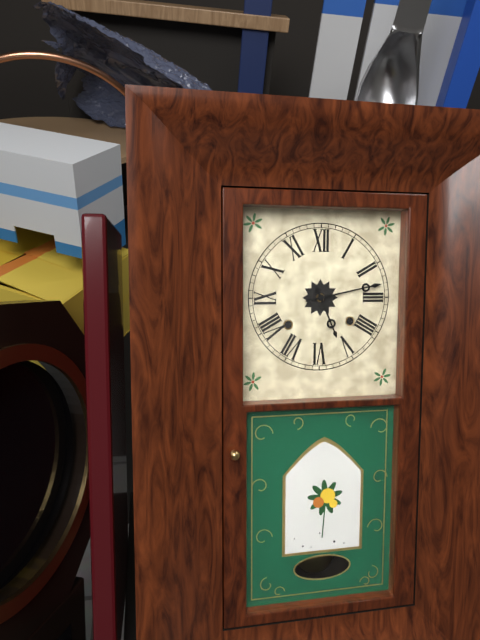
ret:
5,13
